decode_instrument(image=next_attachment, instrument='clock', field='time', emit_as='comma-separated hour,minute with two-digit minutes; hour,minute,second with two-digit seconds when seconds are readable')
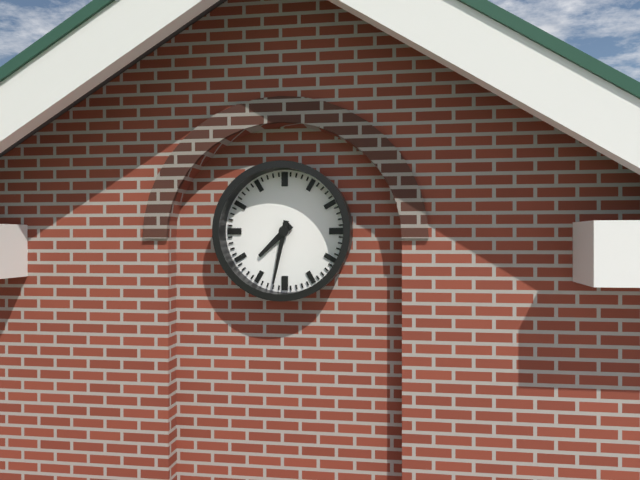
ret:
7,32
